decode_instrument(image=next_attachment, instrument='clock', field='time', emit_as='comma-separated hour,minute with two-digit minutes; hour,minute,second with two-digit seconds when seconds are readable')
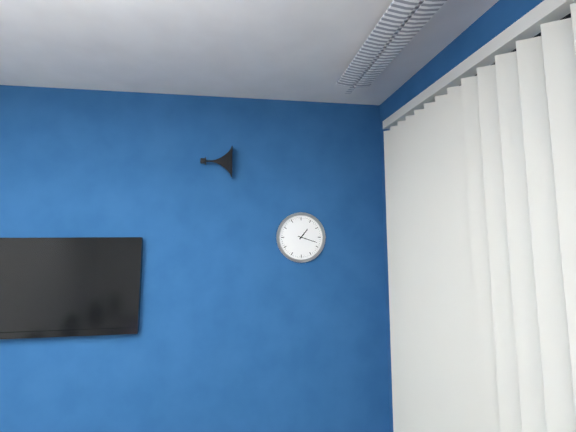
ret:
1,18
